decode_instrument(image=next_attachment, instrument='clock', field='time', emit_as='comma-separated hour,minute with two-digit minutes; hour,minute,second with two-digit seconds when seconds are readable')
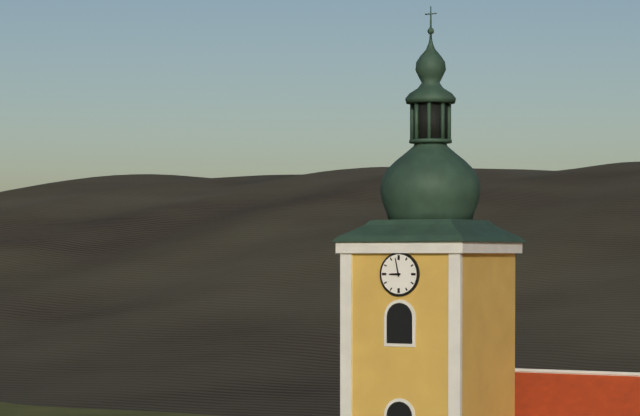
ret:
8,58
